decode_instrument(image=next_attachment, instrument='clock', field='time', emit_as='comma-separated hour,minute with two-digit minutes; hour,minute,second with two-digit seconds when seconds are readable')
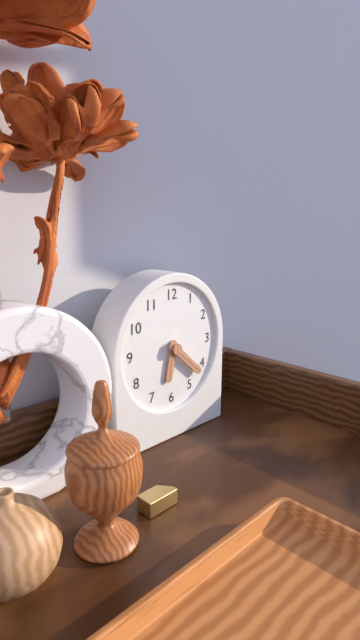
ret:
6,22
